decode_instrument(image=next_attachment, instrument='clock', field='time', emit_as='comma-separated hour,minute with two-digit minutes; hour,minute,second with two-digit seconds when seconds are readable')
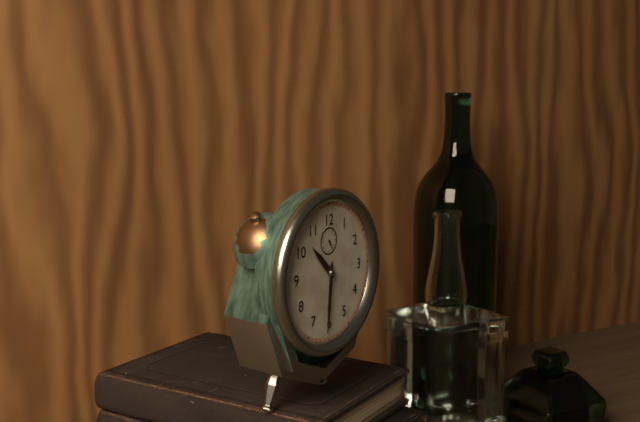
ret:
10,31
